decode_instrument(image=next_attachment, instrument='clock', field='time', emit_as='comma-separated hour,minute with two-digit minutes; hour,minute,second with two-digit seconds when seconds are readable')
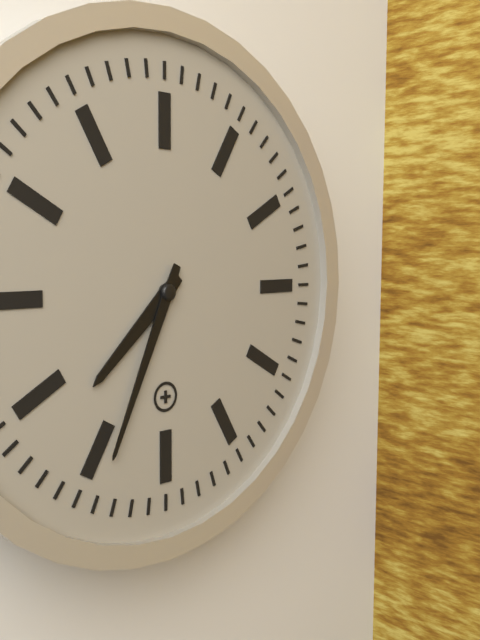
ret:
7,34
